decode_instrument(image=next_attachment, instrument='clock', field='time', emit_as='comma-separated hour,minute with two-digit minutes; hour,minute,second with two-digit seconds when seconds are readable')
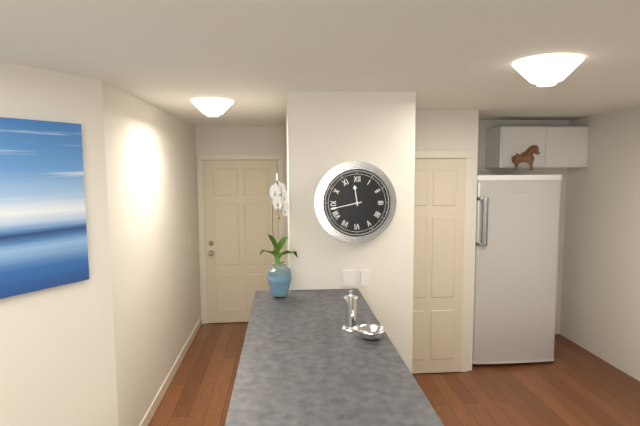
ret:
11,43
